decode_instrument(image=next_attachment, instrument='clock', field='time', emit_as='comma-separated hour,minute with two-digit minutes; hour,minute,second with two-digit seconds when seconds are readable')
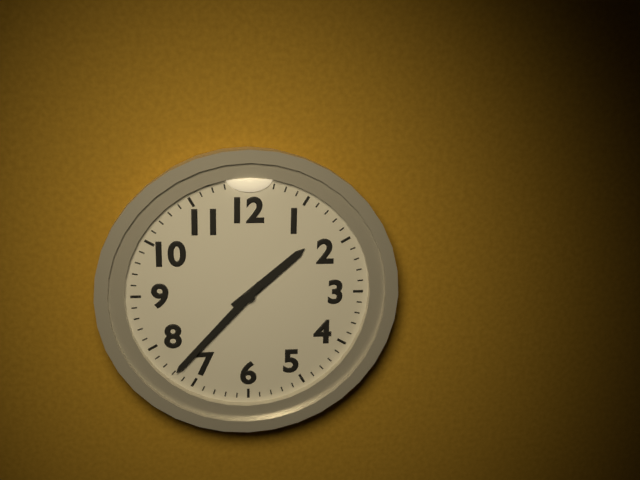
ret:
1,37
